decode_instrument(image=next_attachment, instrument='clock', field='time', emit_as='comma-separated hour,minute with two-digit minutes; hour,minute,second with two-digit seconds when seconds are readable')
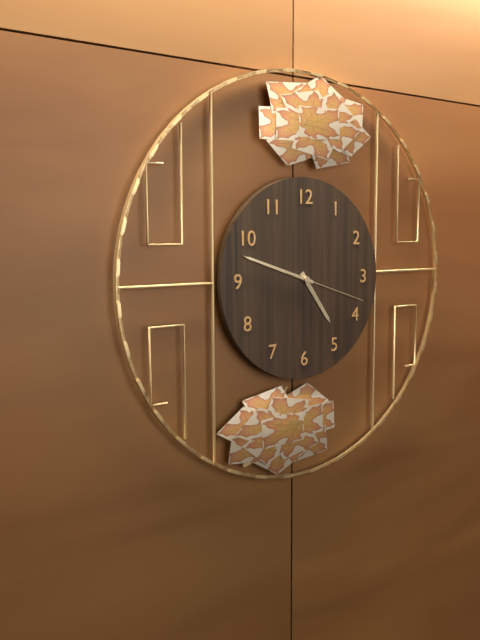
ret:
4,48,18
